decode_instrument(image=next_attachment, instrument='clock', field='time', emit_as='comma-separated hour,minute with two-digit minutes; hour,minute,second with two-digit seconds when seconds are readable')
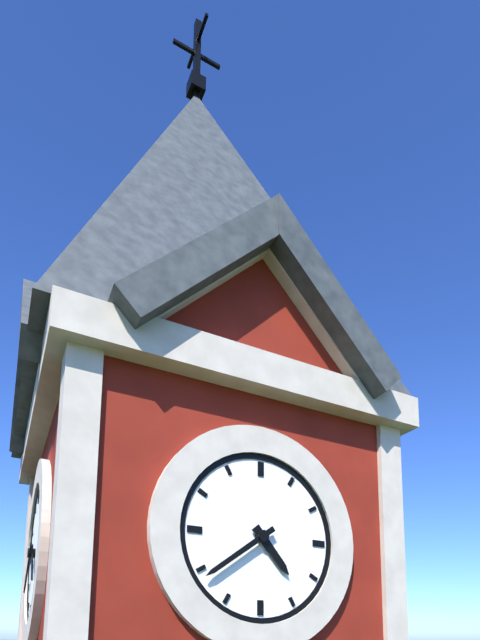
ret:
4,39
